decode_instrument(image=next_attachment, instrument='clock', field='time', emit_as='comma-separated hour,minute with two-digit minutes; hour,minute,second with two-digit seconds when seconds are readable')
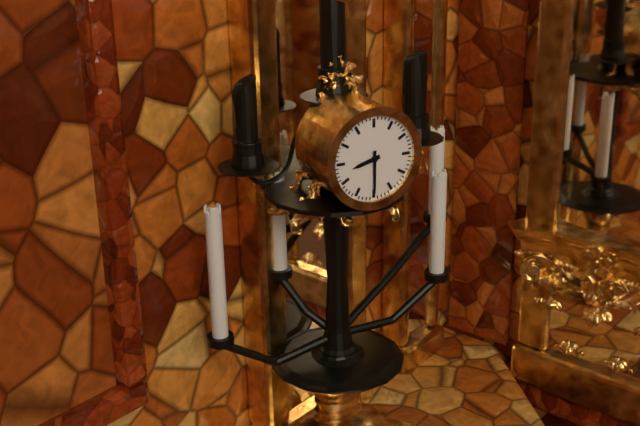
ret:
8,30
